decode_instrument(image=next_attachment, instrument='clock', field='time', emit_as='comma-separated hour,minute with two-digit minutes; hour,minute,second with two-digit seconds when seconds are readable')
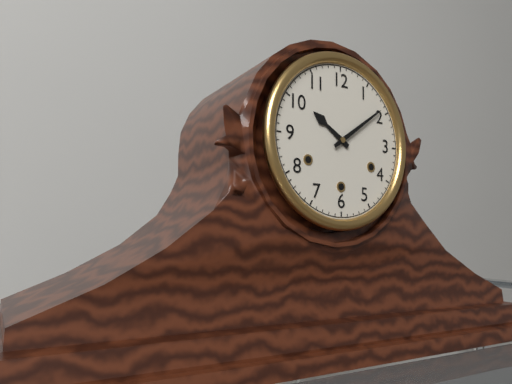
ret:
10,09
